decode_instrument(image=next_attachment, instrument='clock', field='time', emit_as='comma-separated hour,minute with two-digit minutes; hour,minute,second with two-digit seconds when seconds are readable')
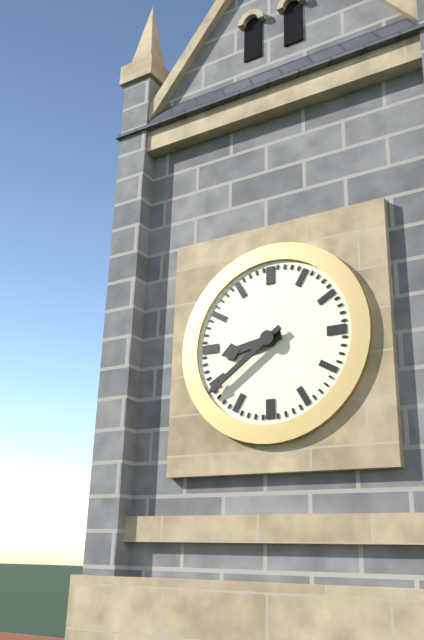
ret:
8,39
